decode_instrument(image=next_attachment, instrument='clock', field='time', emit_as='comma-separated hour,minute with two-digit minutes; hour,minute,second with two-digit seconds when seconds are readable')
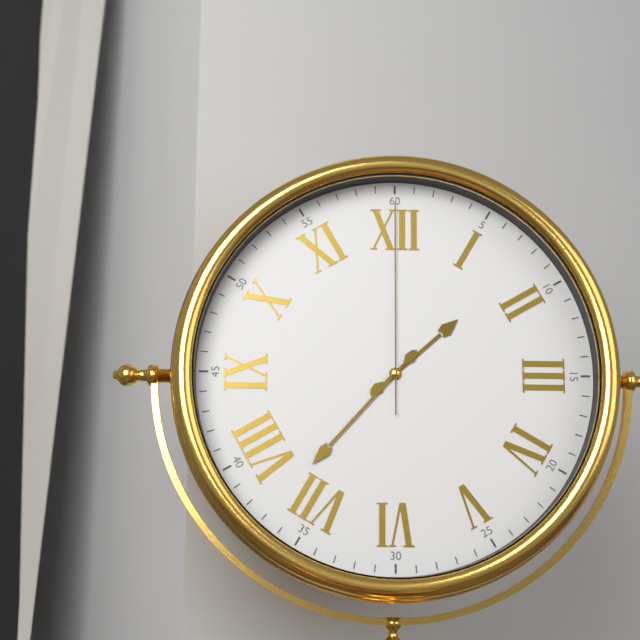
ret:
1,37,00
